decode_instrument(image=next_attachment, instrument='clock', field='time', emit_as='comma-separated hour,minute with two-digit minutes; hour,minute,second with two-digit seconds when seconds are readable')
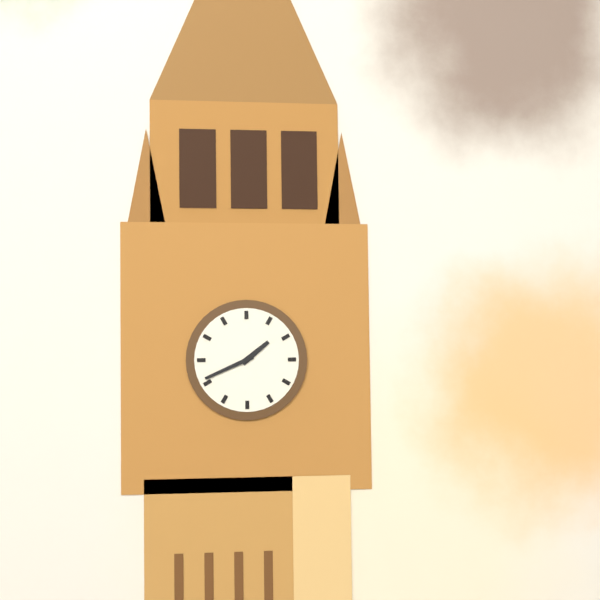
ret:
1,41
